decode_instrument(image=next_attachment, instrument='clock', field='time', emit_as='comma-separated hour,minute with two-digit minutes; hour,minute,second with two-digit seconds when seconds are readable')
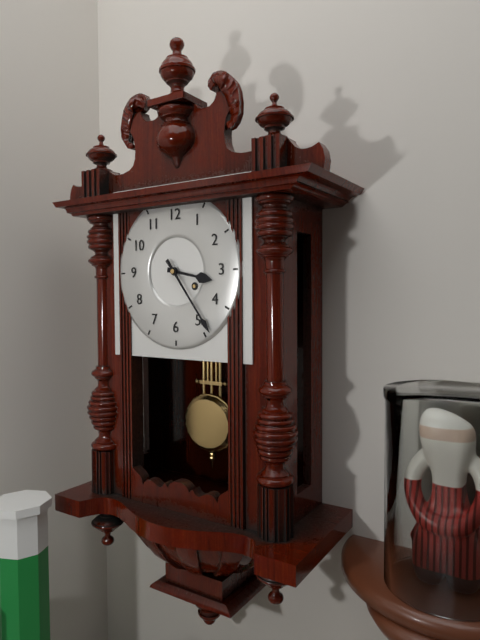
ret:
3,24
